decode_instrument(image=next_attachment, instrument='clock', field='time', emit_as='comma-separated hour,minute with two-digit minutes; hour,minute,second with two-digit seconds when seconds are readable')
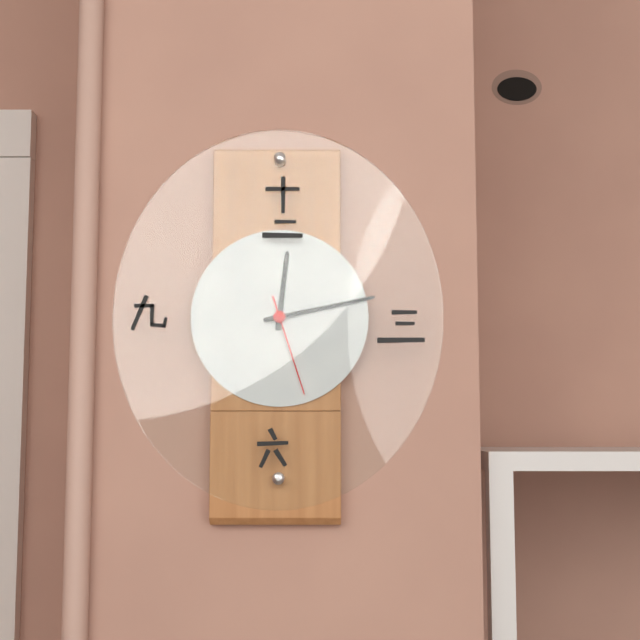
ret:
12,13,27
